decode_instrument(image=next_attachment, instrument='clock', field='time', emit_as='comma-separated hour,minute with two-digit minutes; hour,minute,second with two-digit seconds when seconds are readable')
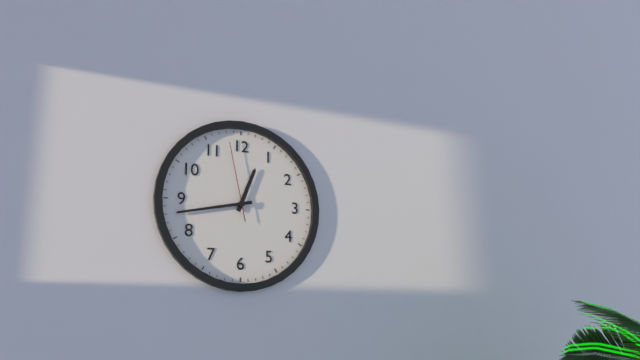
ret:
12,43,58
